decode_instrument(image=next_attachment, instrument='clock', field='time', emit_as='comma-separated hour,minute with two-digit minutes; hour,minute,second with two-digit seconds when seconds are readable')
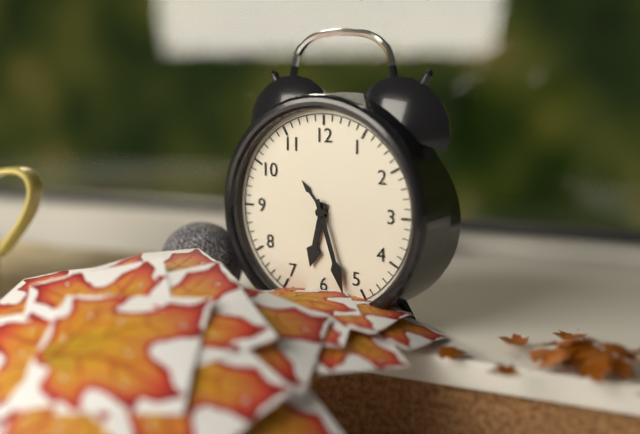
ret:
6,27
